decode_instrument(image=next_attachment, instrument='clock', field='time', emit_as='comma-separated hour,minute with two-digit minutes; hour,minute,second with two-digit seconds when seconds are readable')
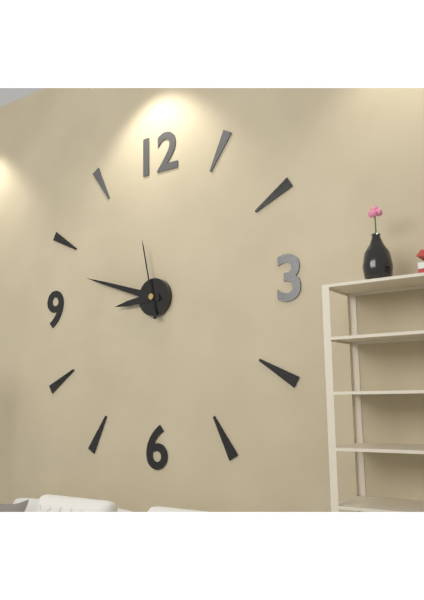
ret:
8,48,58
